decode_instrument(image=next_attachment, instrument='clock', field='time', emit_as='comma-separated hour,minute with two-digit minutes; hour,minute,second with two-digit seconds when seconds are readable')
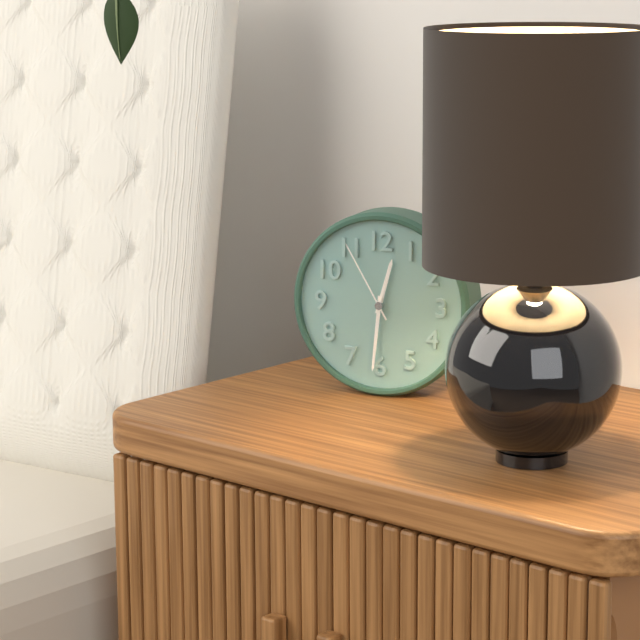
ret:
12,31,55
